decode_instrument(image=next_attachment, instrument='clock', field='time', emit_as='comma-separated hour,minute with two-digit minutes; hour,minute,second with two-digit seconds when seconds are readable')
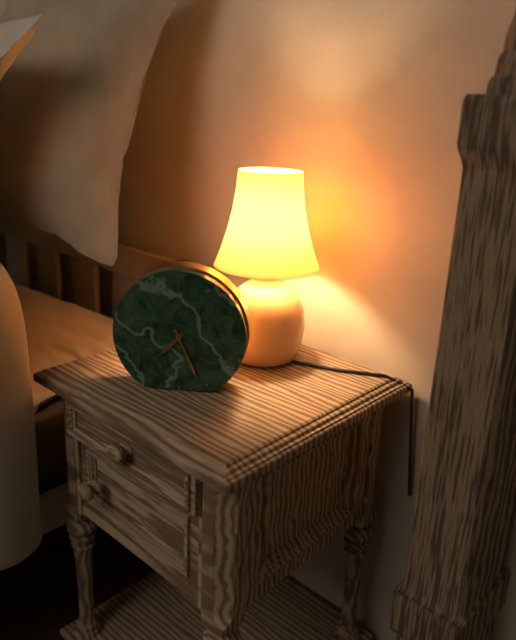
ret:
7,26
